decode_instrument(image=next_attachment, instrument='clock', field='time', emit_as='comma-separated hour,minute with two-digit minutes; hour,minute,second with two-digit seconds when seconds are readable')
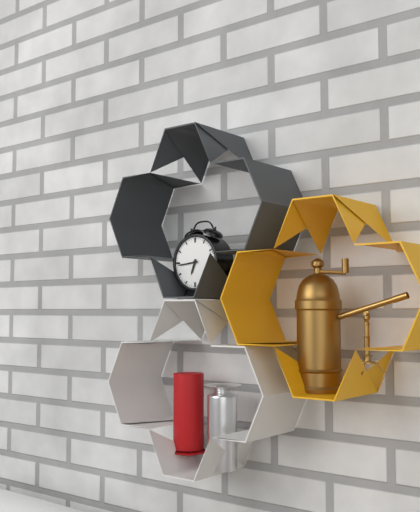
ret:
6,44
